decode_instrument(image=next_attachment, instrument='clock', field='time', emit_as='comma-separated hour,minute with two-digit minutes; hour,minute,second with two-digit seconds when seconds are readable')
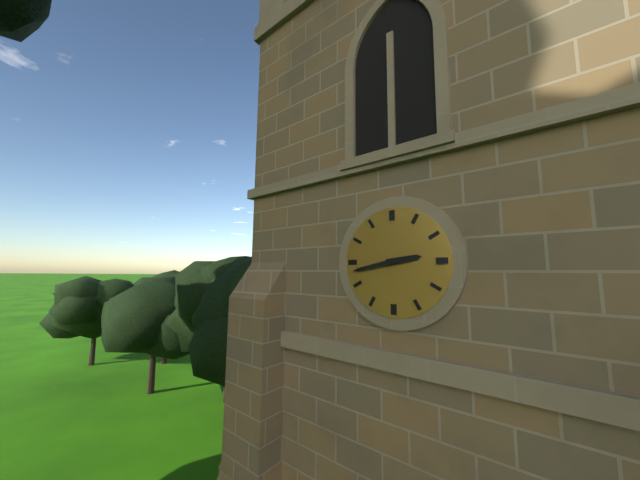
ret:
2,43
